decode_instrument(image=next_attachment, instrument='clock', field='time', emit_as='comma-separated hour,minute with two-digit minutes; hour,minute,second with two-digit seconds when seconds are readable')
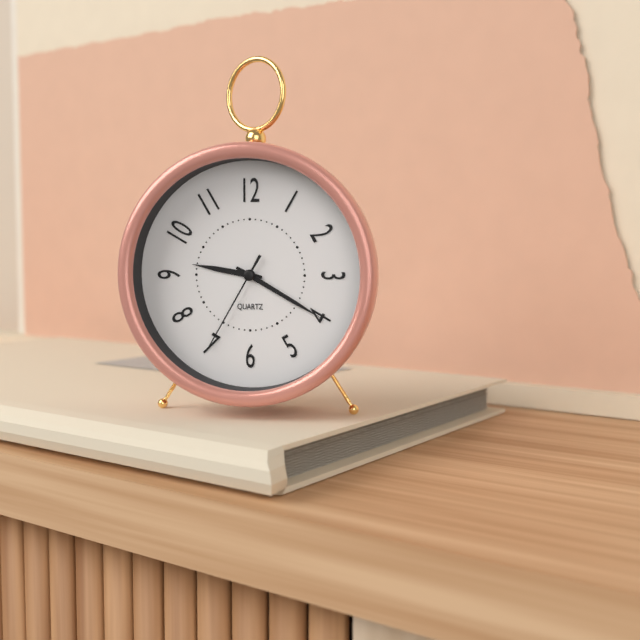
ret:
9,20,35
